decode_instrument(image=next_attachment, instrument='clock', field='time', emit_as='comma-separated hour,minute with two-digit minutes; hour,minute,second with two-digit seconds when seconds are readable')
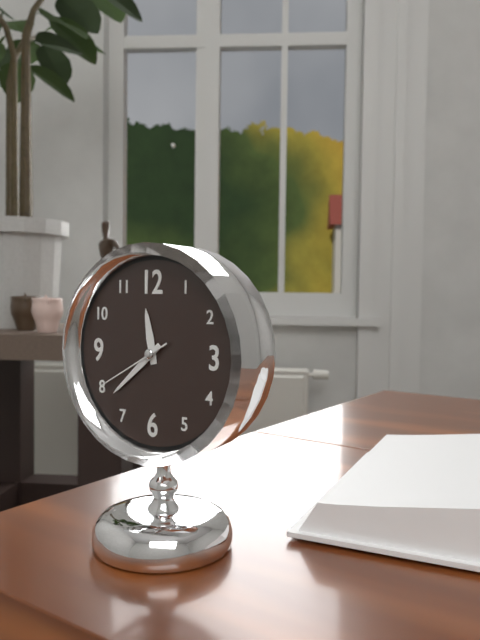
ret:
11,38,40
